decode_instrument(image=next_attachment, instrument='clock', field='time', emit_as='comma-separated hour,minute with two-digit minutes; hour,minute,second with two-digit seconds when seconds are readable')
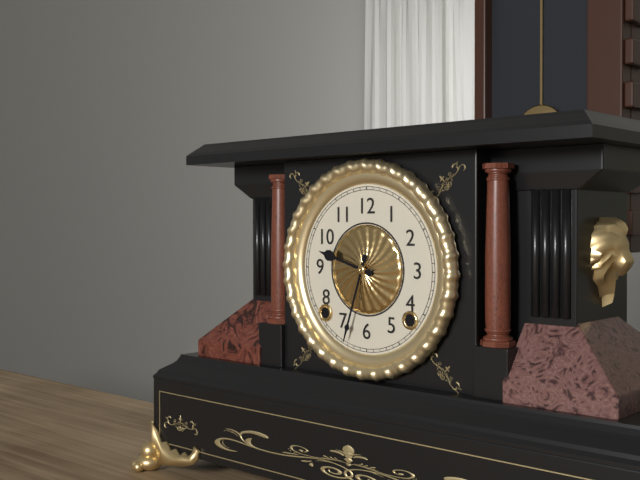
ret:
9,33
